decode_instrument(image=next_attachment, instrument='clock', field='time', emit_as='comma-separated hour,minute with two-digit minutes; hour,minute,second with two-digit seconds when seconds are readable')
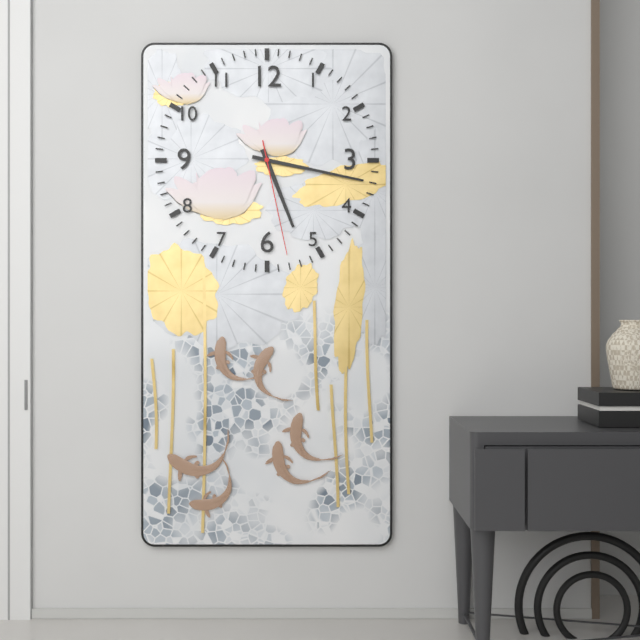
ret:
5,17,28
